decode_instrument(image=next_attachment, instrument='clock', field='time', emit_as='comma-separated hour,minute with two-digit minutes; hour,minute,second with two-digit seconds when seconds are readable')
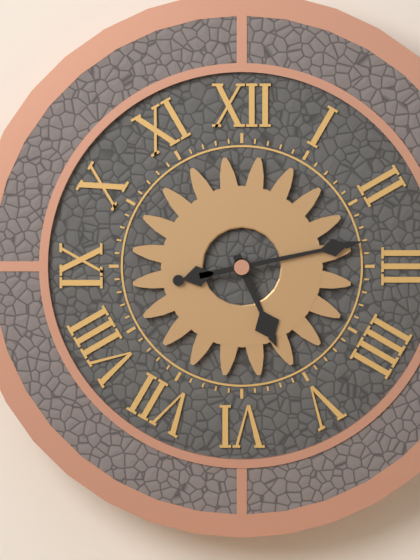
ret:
5,13
